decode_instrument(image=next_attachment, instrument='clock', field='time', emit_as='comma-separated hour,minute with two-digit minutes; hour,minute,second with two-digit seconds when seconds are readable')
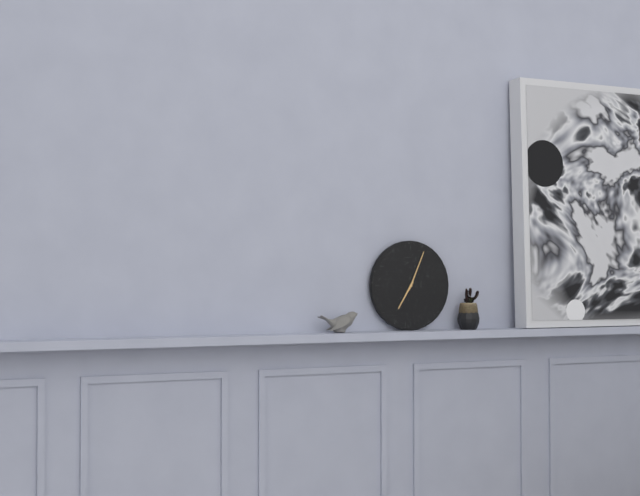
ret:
7,04
